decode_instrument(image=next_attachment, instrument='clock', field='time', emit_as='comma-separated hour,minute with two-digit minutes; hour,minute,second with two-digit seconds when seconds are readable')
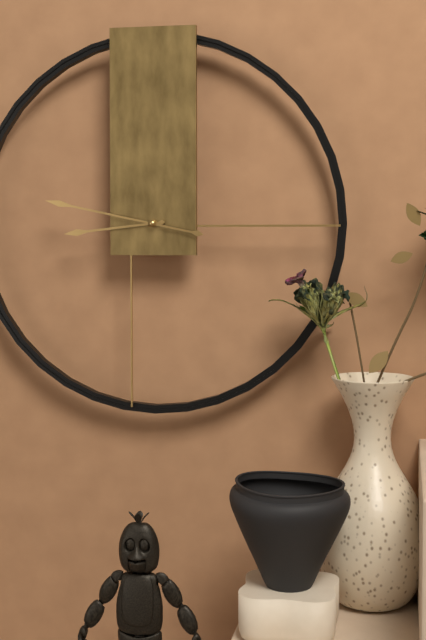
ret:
8,47
